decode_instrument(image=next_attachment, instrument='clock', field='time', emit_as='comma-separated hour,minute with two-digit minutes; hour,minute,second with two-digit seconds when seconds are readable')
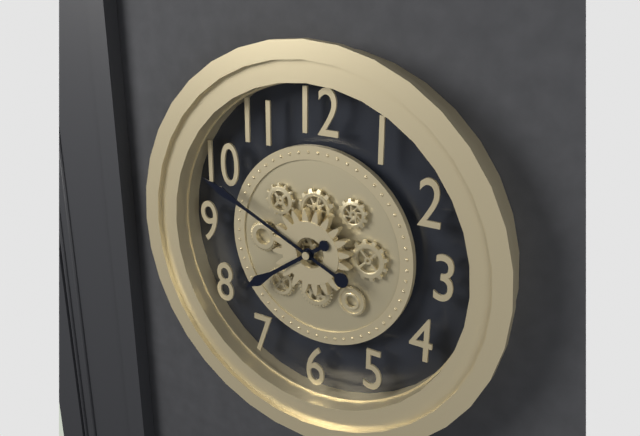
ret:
7,49
